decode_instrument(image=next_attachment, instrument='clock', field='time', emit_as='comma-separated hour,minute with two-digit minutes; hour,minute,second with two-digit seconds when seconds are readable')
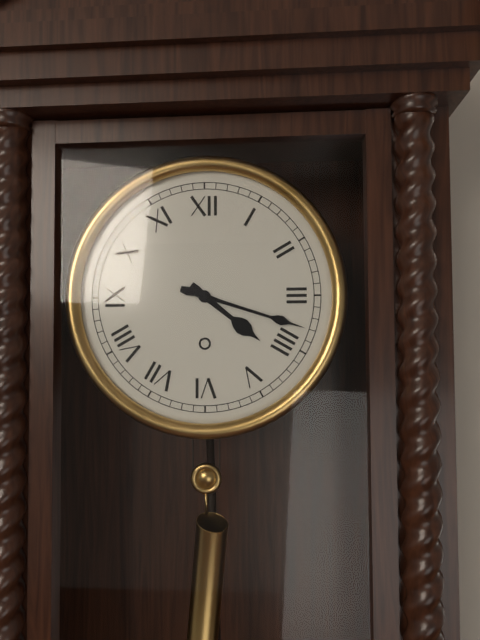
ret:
4,18
